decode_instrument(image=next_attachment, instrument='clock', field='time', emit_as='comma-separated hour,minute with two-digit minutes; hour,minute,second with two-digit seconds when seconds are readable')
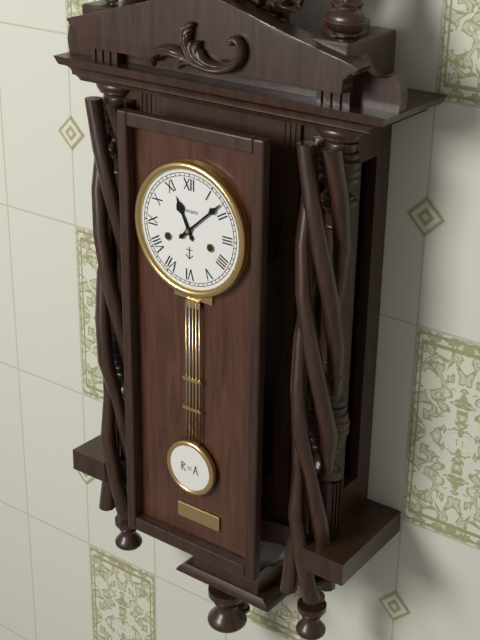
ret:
11,08
